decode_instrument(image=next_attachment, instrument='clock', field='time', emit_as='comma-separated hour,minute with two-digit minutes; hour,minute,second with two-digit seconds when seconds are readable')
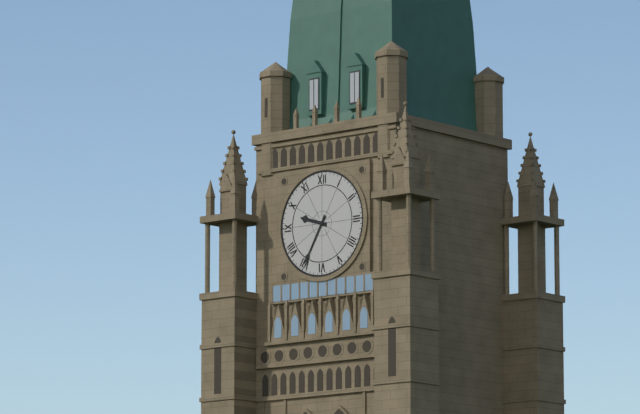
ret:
9,35
